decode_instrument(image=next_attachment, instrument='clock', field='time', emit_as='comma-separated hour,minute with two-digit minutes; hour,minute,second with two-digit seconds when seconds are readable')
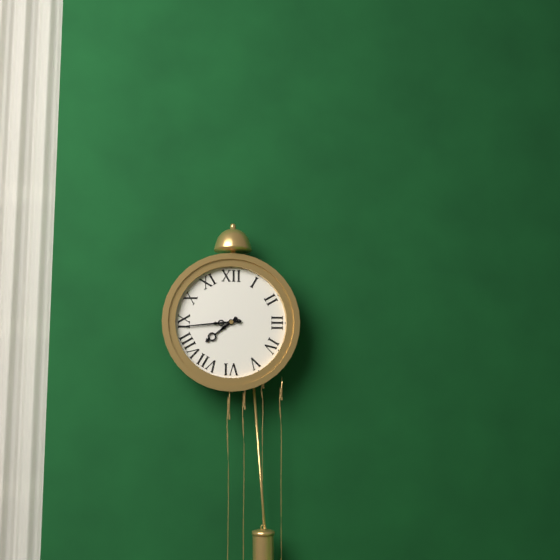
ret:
7,44
